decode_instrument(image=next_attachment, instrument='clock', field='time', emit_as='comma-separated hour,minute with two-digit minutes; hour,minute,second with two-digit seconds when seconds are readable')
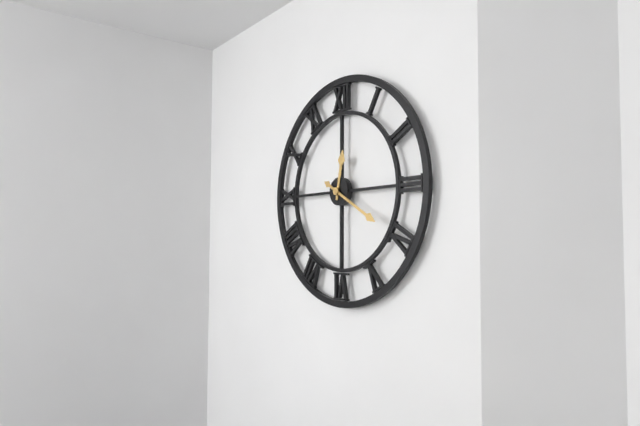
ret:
12,20
